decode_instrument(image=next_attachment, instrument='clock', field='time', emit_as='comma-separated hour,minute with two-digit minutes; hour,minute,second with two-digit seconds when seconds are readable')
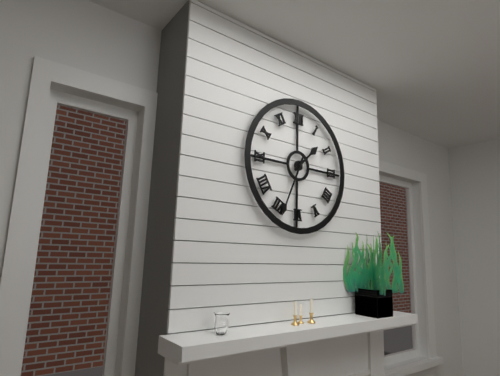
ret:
1,34
